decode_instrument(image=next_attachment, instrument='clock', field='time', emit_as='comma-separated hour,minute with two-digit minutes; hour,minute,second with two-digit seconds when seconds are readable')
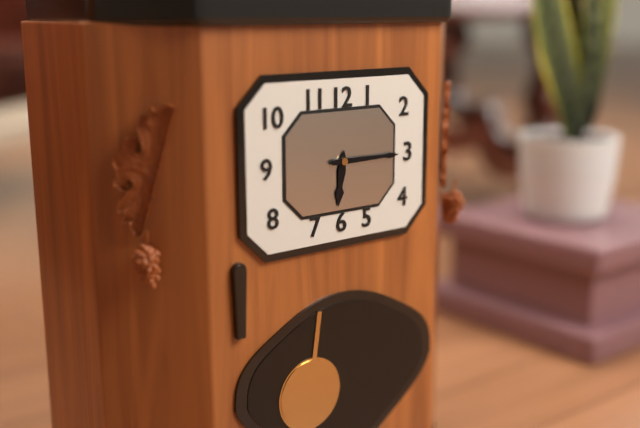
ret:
6,15
